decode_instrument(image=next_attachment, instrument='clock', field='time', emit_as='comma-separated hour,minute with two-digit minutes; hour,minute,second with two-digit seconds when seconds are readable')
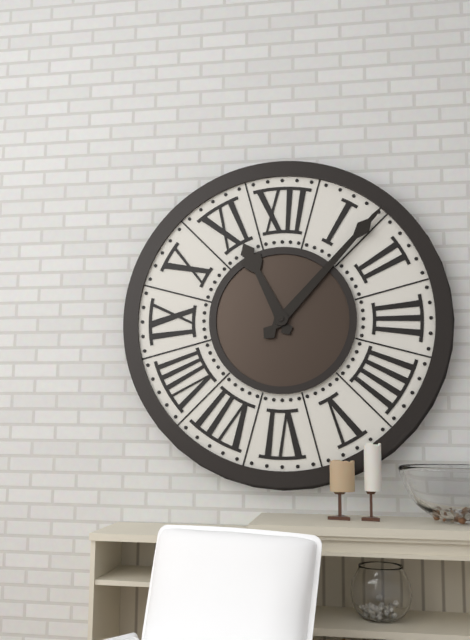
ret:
11,07
